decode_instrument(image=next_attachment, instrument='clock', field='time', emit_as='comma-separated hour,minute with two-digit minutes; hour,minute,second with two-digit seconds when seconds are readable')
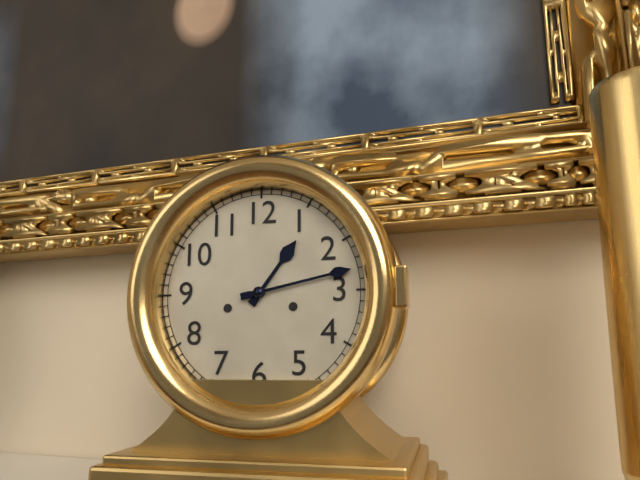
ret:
1,13
